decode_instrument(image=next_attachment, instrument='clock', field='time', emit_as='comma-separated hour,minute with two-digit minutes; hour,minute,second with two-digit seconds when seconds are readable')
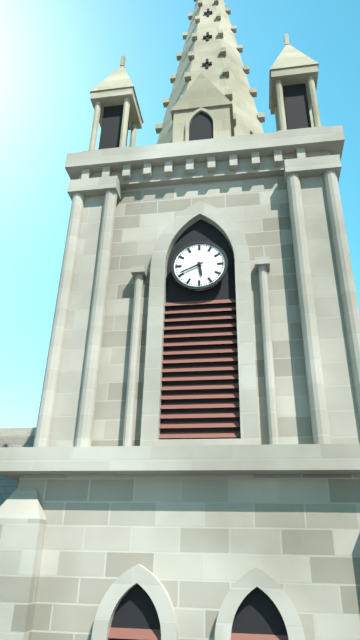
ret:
5,41
